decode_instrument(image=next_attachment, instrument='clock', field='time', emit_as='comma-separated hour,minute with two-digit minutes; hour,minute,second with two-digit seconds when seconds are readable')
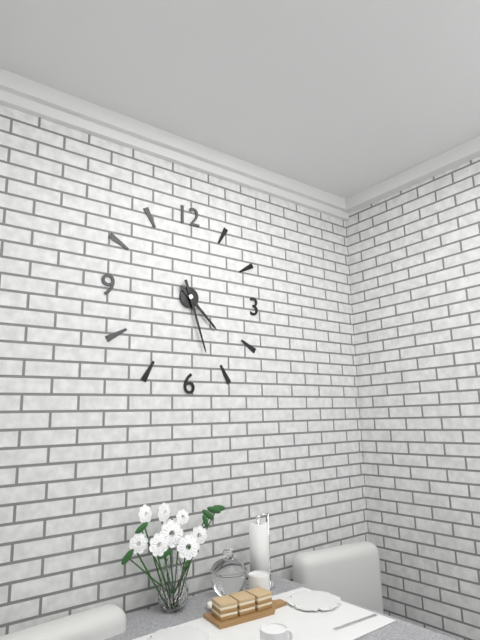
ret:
4,27
